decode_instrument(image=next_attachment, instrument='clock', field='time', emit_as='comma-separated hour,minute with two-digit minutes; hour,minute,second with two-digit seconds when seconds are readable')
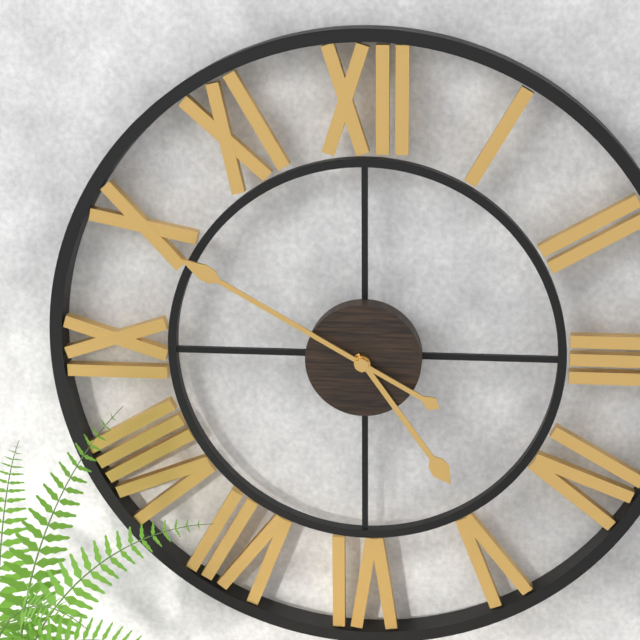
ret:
4,50
